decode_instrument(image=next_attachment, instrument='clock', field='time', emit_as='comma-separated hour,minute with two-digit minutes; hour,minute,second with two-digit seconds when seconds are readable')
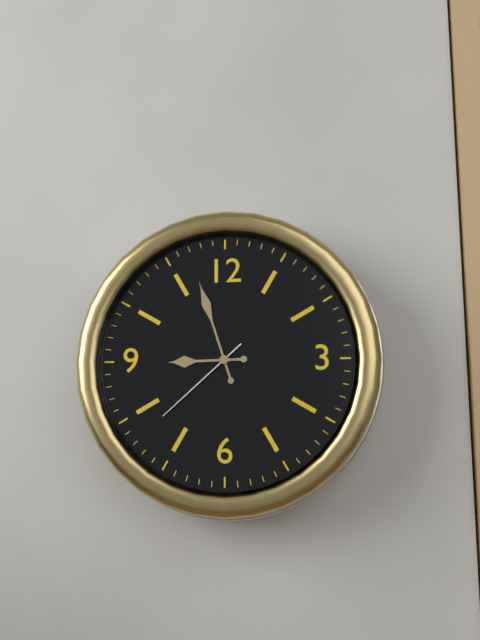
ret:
8,57,38
